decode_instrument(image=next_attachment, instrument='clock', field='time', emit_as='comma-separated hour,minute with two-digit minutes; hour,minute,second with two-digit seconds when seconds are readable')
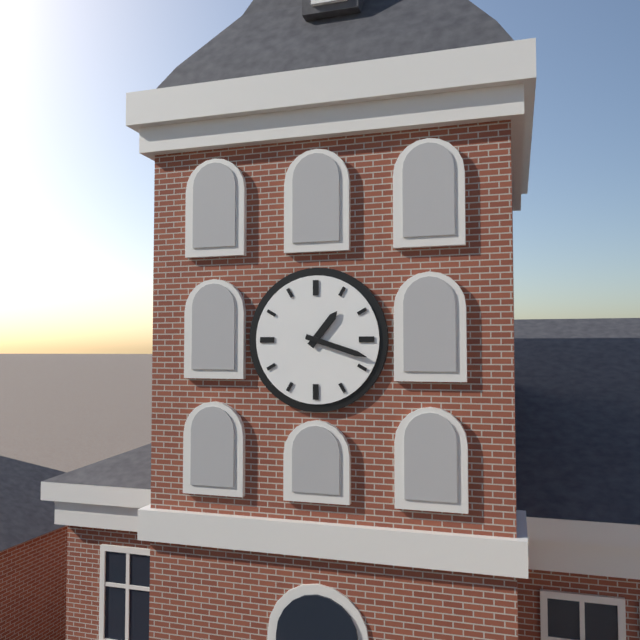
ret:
1,18
